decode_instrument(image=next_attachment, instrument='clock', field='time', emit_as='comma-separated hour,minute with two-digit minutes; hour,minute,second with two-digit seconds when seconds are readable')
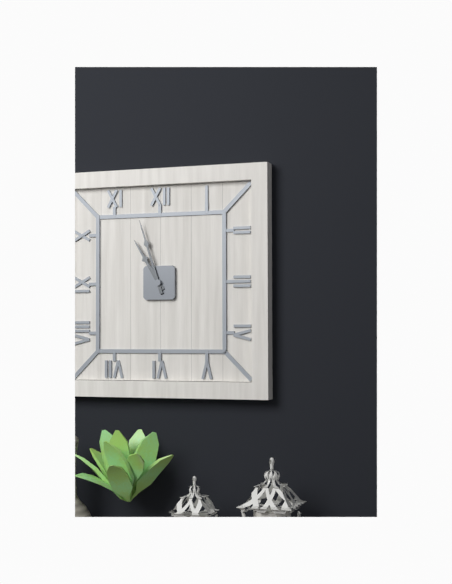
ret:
10,57
